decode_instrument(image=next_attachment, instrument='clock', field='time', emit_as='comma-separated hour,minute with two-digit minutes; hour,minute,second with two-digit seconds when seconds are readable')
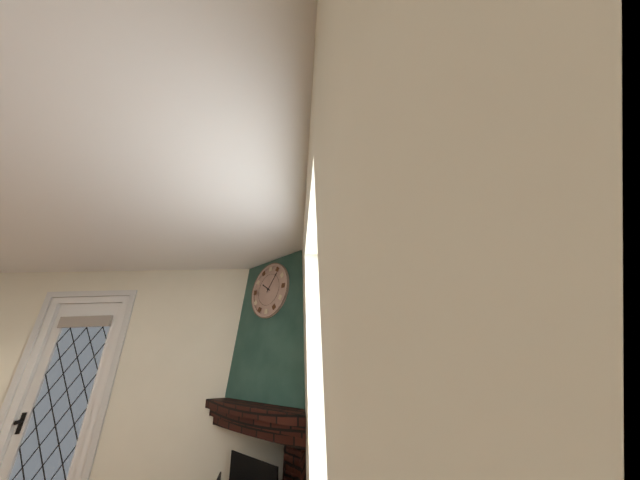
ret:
10,06
